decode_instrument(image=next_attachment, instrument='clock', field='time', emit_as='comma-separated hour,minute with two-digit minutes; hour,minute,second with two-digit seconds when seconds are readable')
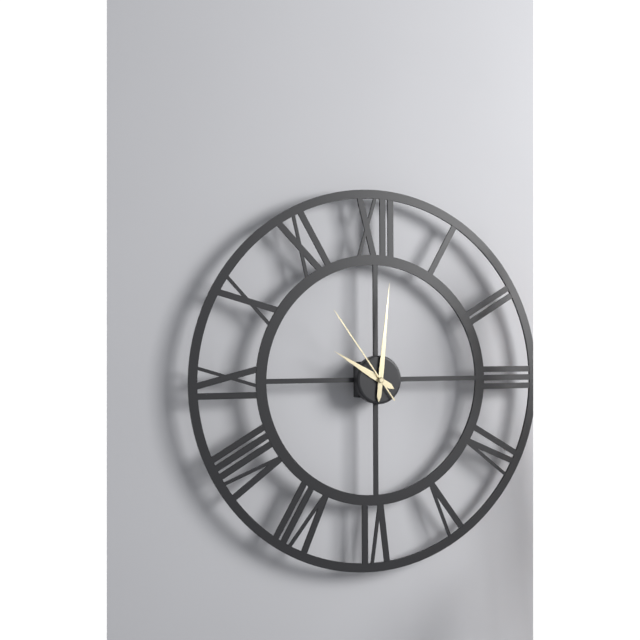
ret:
10,01,54
